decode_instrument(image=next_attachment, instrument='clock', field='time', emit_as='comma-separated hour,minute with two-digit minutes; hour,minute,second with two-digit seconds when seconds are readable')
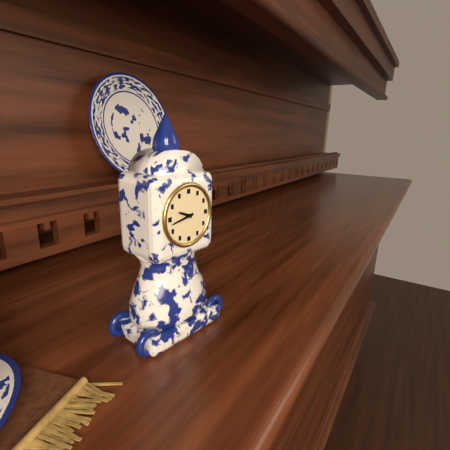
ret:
9,43
